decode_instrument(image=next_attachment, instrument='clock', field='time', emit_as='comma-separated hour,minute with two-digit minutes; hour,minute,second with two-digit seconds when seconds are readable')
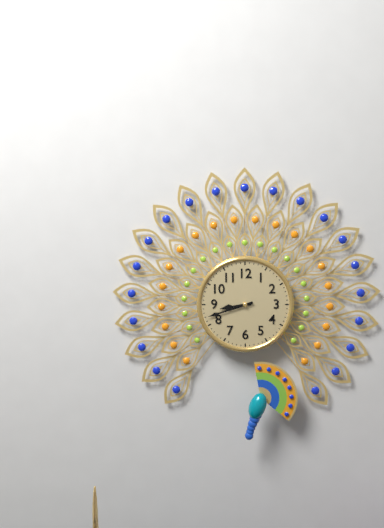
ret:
8,42
